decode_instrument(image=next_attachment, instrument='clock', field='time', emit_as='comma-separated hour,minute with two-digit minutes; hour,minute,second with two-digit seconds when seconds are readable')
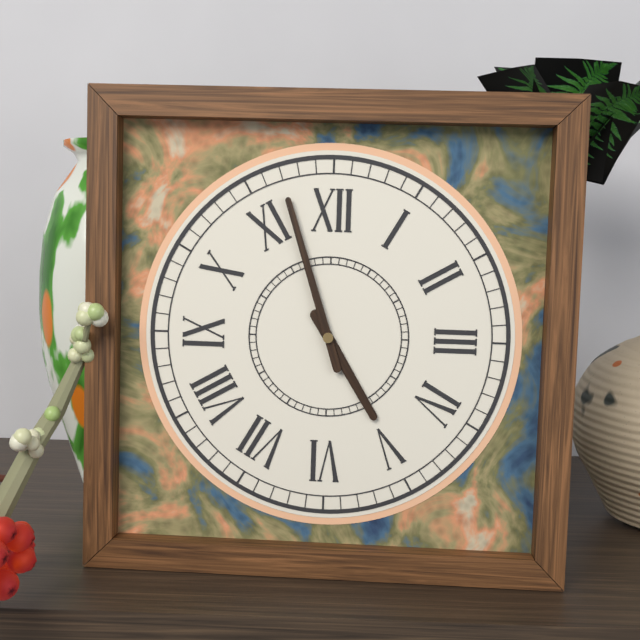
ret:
4,57
